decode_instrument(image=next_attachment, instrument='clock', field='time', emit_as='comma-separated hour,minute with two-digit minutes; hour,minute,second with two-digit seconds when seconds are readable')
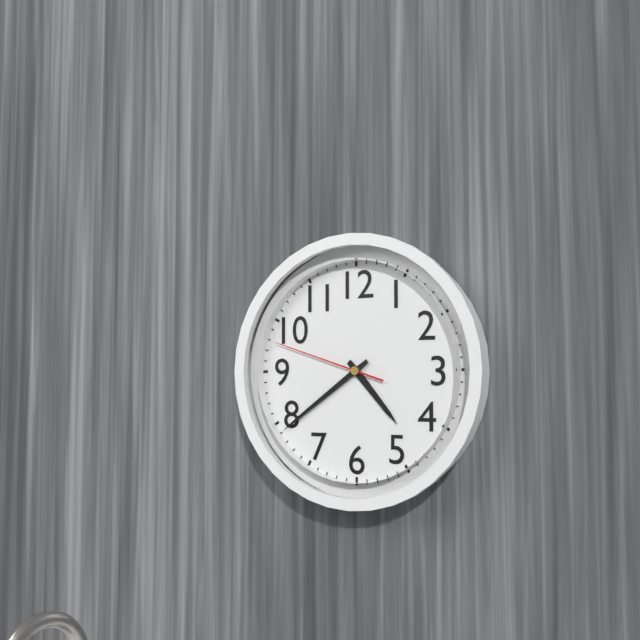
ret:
4,39,48
